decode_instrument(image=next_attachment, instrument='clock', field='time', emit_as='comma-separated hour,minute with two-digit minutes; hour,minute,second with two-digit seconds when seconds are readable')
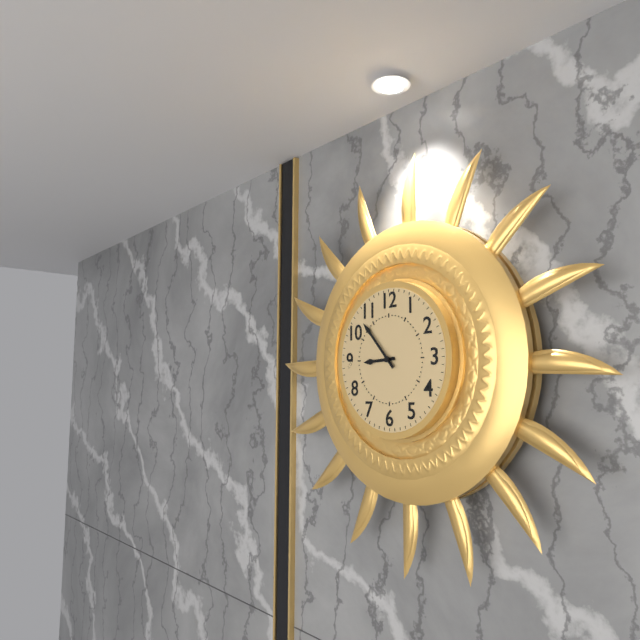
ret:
8,53
